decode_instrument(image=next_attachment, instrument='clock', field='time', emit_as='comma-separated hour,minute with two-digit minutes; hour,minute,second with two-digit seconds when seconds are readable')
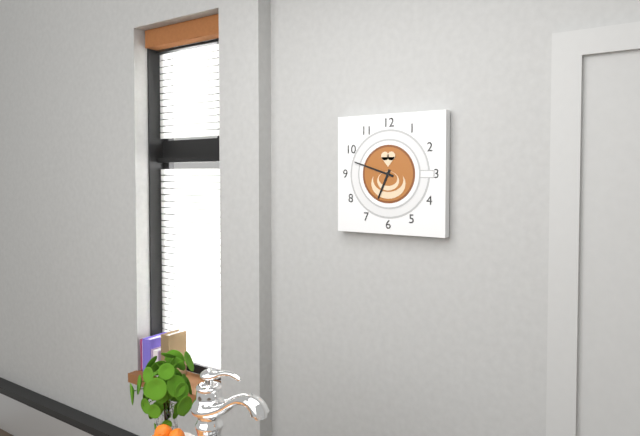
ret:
6,48
